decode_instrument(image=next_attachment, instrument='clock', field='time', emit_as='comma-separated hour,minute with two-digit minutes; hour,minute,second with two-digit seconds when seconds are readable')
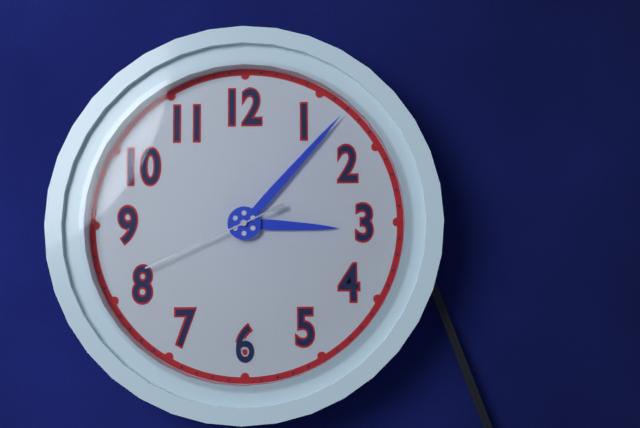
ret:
3,07,41
